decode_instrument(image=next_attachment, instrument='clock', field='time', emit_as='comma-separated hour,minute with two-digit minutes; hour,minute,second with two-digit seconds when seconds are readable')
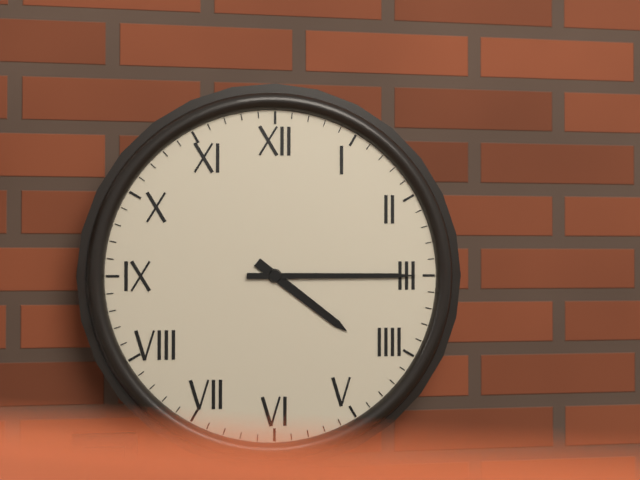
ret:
4,15
